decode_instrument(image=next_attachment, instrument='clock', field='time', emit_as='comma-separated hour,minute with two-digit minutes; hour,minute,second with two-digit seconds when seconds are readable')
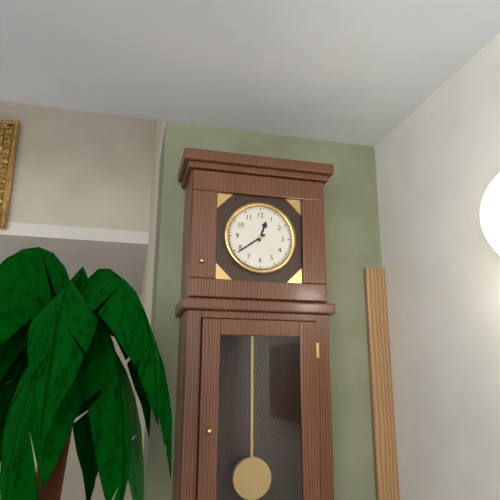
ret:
12,39
